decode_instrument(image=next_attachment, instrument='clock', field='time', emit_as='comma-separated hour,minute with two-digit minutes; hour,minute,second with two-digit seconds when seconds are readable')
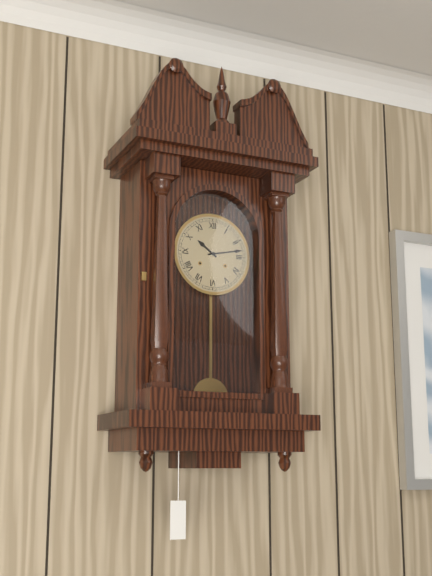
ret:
10,13
